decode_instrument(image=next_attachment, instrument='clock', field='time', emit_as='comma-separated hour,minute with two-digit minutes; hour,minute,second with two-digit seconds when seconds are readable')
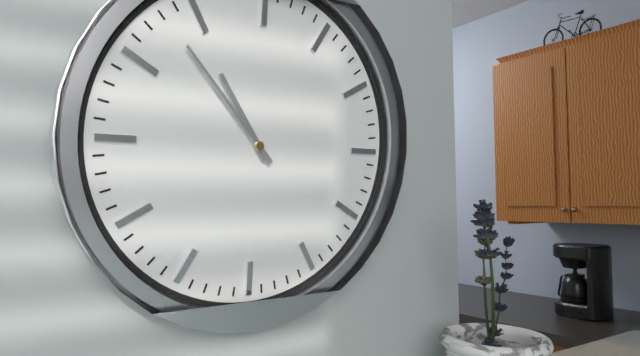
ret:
10,53
